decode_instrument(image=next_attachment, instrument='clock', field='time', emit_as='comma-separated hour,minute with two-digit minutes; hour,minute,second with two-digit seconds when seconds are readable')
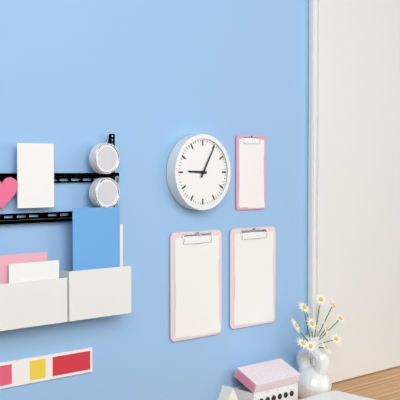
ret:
9,05
